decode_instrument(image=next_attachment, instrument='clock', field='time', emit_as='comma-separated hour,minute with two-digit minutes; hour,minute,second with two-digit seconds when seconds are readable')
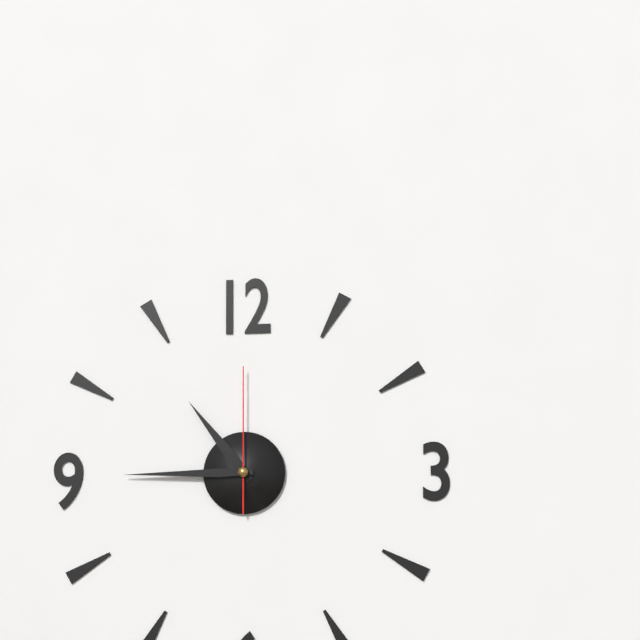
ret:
10,45,00
